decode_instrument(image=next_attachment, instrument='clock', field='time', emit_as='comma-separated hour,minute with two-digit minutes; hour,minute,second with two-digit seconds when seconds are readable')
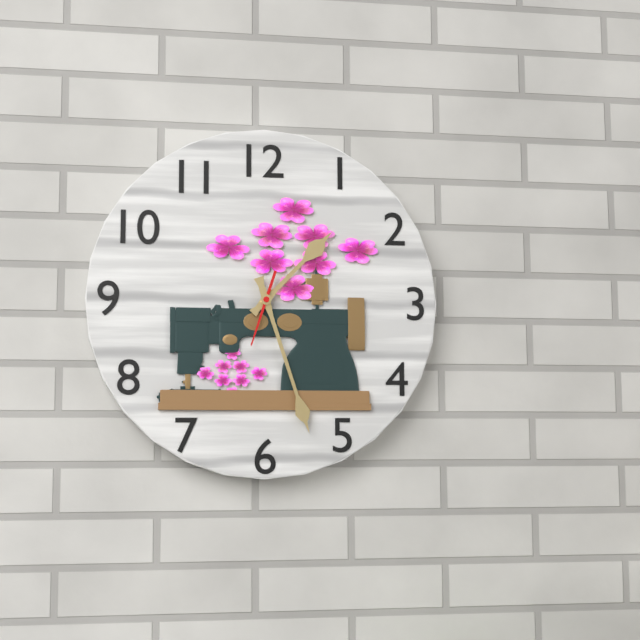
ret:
1,27,33
